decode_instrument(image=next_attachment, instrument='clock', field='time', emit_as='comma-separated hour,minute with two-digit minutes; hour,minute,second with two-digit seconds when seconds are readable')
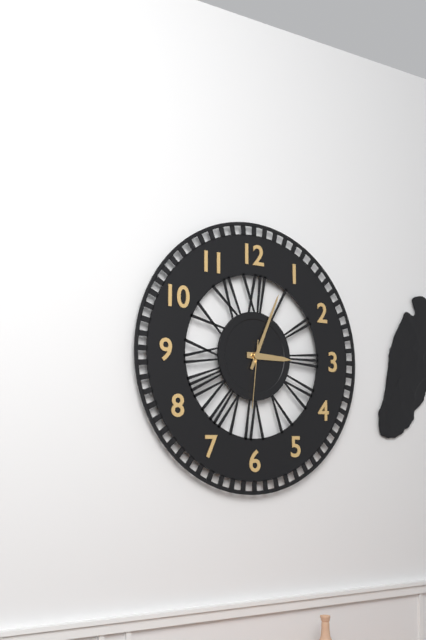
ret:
3,04,31
